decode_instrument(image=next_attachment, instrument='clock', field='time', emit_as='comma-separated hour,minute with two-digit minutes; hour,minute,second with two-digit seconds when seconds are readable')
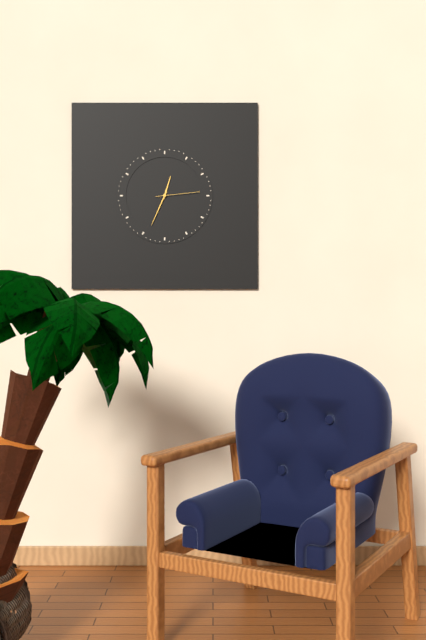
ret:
12,34
